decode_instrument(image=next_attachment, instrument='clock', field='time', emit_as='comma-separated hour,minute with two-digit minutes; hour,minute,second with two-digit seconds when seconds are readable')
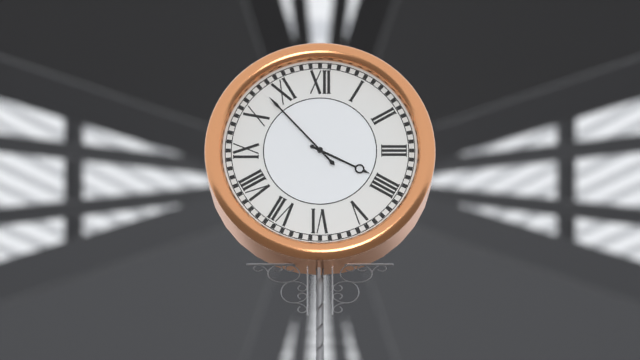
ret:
3,53
